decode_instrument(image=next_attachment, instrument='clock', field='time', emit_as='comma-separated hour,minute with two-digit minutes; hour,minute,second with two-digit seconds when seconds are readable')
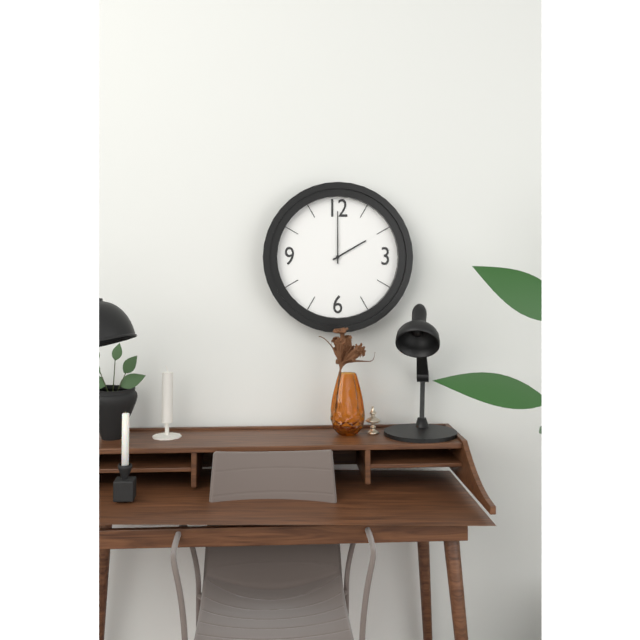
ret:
2,00
